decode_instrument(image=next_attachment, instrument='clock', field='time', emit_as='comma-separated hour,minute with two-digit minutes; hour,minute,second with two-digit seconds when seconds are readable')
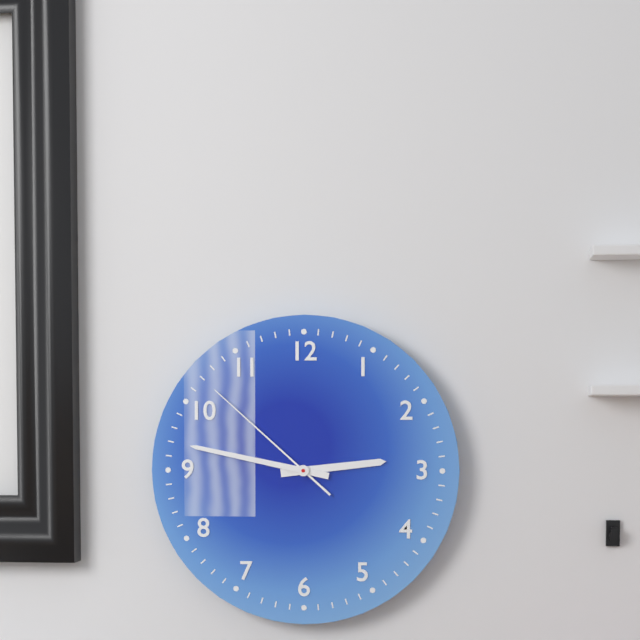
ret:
2,47,52
